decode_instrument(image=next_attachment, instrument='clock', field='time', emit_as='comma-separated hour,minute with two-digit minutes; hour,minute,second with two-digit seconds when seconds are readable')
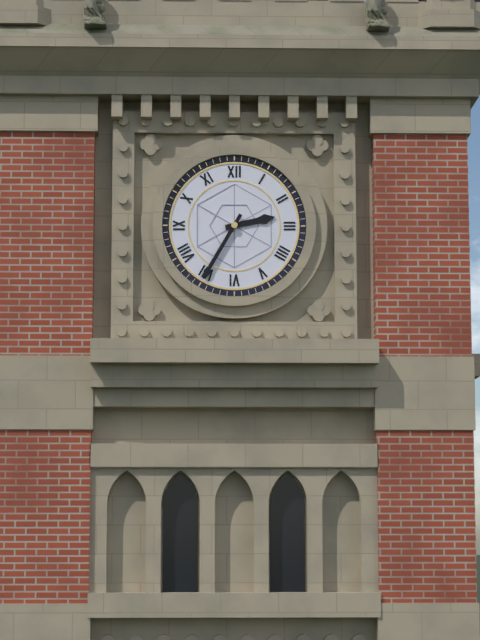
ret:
2,35
